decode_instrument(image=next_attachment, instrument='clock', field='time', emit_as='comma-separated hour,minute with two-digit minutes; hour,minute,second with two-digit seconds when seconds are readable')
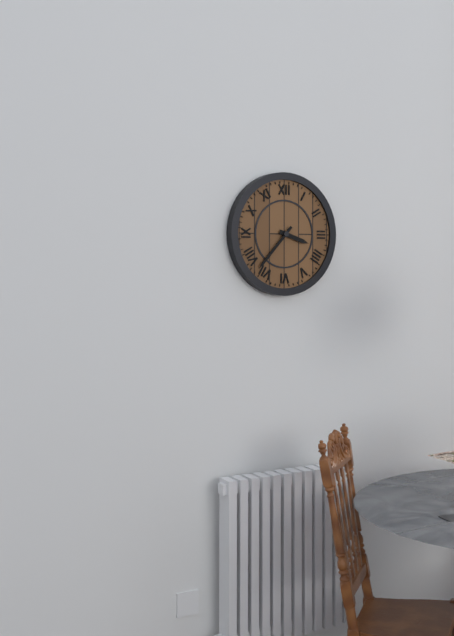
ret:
3,37
